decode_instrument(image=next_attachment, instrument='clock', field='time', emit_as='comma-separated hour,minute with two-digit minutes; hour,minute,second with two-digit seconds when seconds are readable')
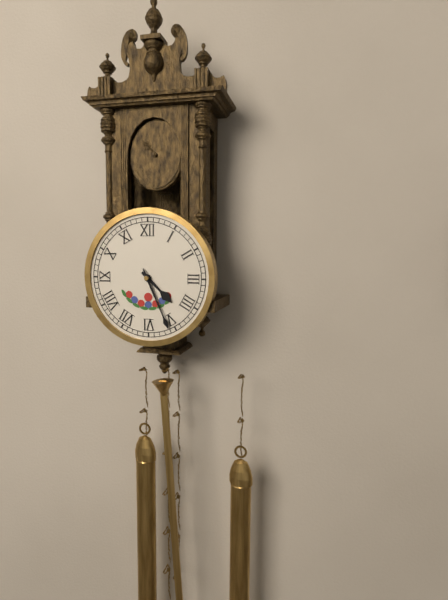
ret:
4,26
